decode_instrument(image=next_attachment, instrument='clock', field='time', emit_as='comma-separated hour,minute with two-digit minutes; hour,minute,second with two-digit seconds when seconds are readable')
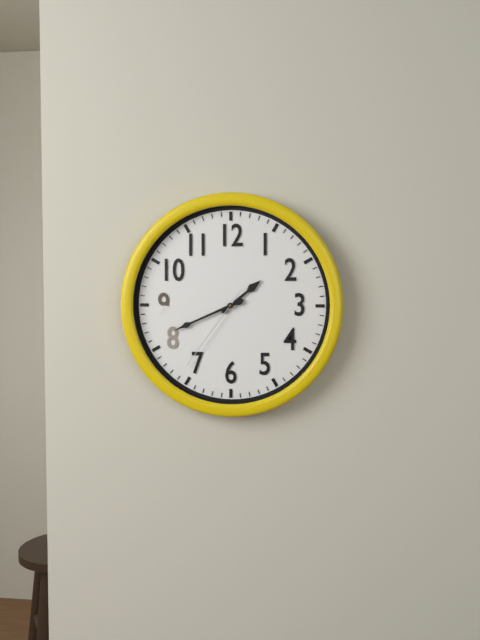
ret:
1,41,36
